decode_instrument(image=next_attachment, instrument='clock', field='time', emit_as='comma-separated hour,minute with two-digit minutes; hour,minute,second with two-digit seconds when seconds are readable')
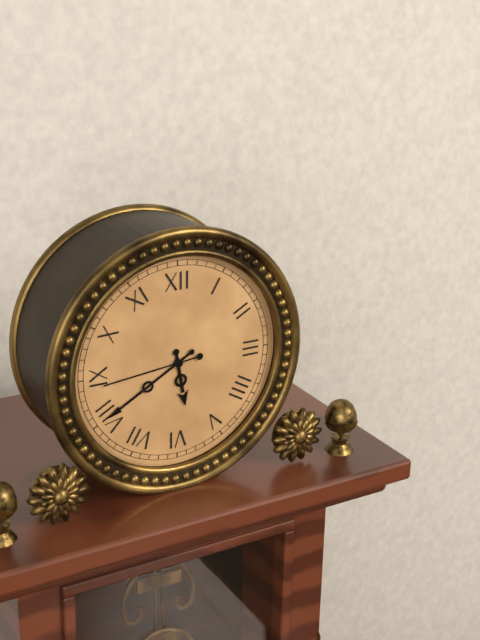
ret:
5,40,44
